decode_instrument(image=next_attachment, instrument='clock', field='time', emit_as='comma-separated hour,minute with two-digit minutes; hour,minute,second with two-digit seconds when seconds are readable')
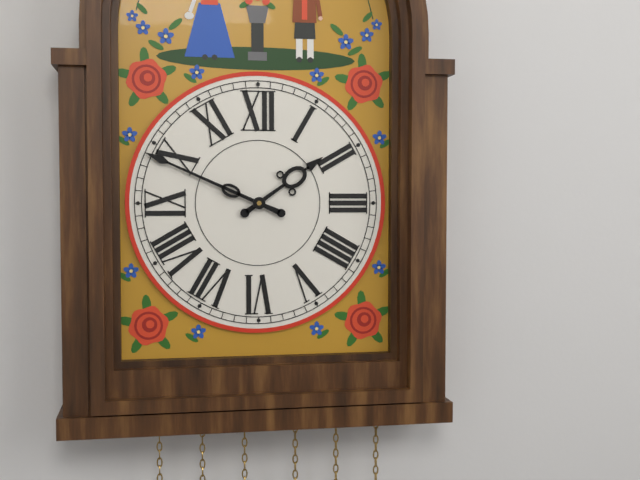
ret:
1,49
